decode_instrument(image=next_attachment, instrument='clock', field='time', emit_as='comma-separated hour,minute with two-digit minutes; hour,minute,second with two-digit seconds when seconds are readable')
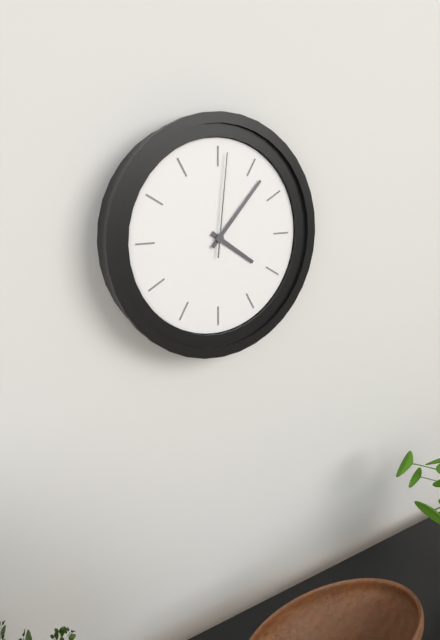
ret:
4,07,01
